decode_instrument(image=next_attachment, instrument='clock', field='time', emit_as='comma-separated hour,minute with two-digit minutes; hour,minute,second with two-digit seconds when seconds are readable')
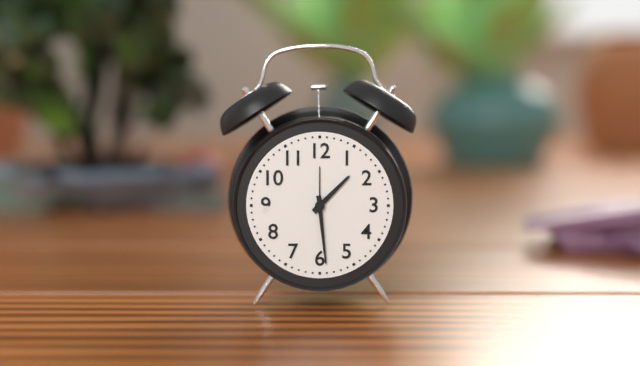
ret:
1,29
